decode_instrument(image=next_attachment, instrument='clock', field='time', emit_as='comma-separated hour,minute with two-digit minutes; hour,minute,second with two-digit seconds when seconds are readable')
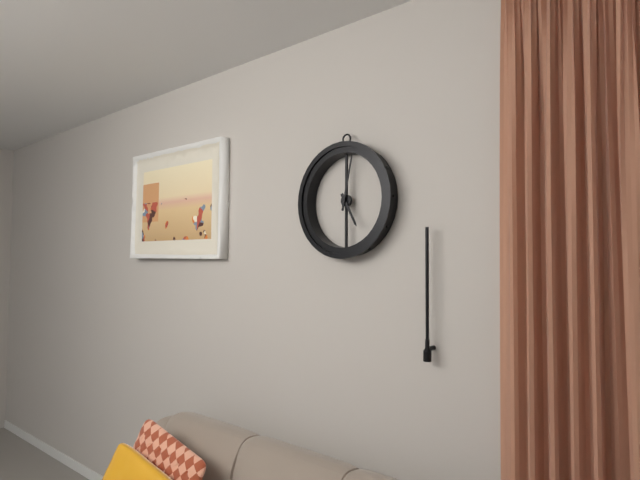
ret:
5,02
